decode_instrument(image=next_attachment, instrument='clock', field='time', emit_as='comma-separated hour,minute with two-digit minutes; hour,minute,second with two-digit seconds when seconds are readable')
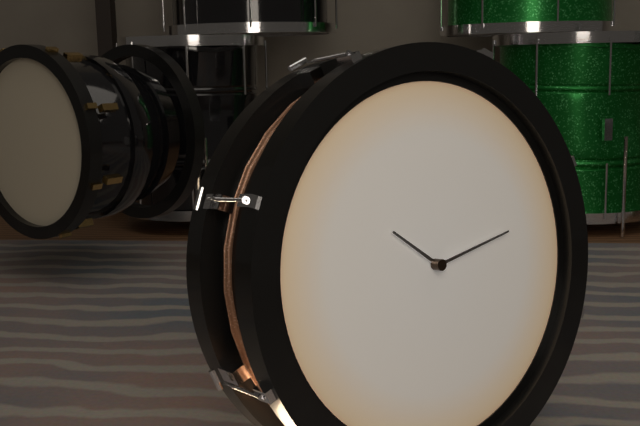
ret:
10,13
